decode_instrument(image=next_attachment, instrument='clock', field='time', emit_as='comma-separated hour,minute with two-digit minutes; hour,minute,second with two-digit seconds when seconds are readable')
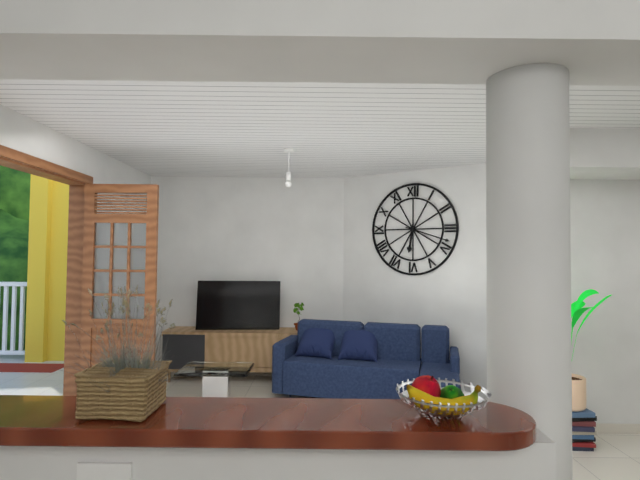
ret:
6,18
